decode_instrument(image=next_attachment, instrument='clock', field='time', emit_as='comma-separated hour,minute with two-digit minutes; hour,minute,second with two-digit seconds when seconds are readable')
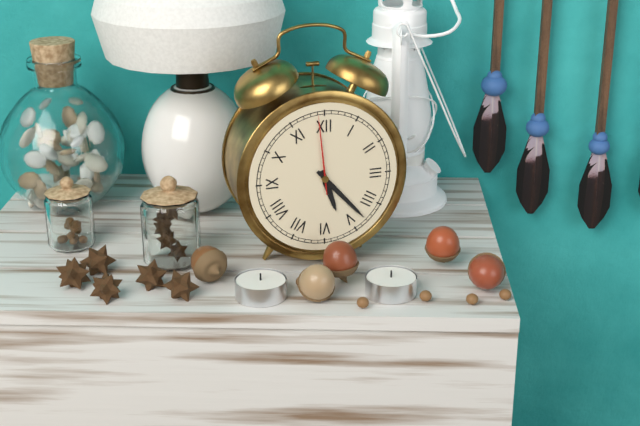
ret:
5,23,59
